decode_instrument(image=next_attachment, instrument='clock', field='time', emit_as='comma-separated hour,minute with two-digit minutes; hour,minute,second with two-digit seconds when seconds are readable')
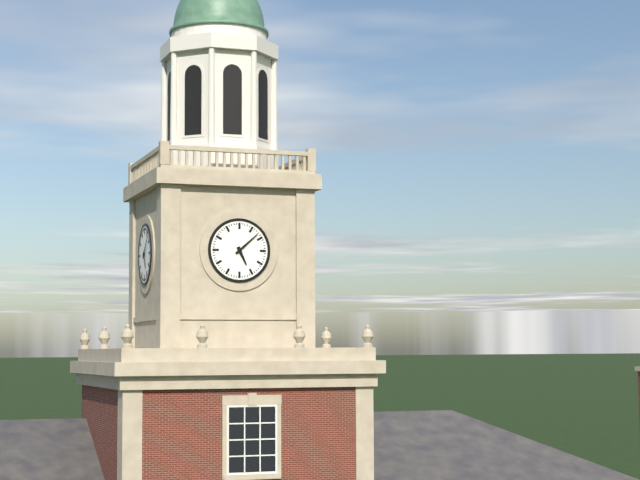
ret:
5,08
